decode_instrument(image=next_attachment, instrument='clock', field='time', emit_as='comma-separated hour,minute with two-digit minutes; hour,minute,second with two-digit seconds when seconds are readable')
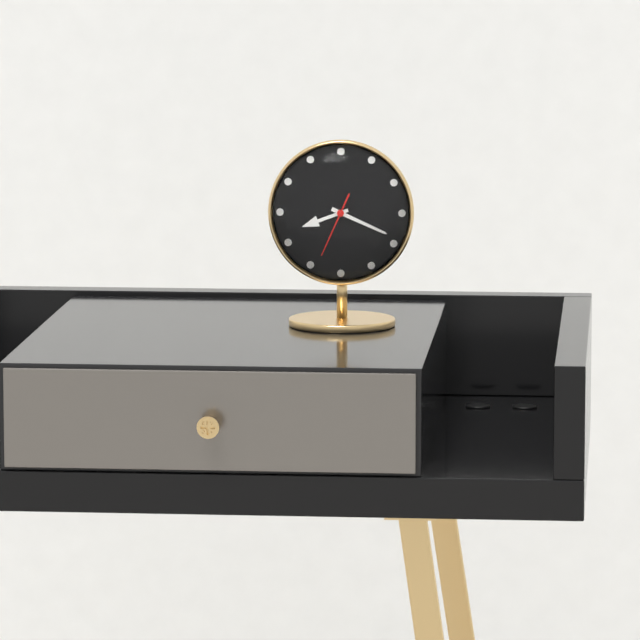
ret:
8,19,34
